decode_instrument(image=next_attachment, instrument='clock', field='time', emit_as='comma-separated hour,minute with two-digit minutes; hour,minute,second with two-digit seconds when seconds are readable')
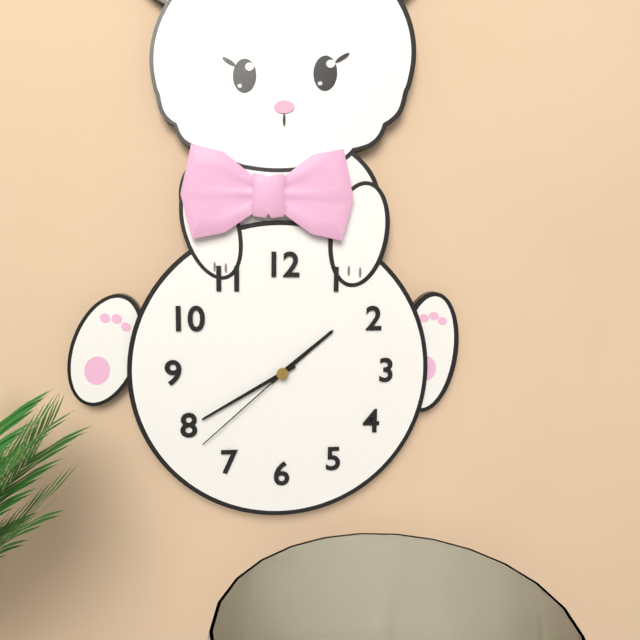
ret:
1,40,38
